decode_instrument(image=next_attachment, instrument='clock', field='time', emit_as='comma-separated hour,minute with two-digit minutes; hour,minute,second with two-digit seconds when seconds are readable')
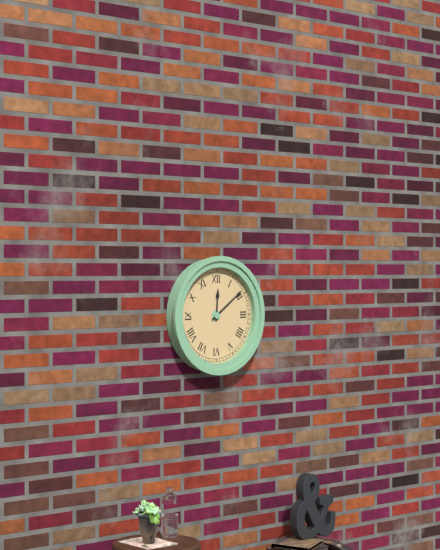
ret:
12,09
